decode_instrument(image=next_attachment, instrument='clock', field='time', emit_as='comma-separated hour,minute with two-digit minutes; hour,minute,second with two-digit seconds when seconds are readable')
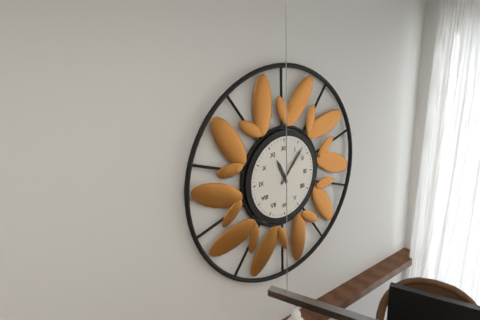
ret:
11,07
